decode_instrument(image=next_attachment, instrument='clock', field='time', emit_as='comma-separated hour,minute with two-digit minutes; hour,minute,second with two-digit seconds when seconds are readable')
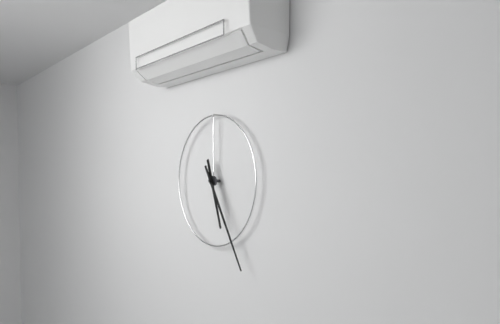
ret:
5,25
